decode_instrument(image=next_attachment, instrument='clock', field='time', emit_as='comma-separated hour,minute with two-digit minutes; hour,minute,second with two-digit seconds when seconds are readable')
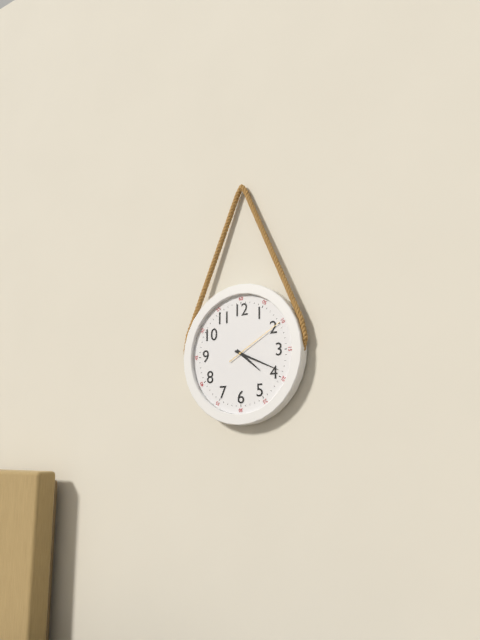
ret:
4,19,10
